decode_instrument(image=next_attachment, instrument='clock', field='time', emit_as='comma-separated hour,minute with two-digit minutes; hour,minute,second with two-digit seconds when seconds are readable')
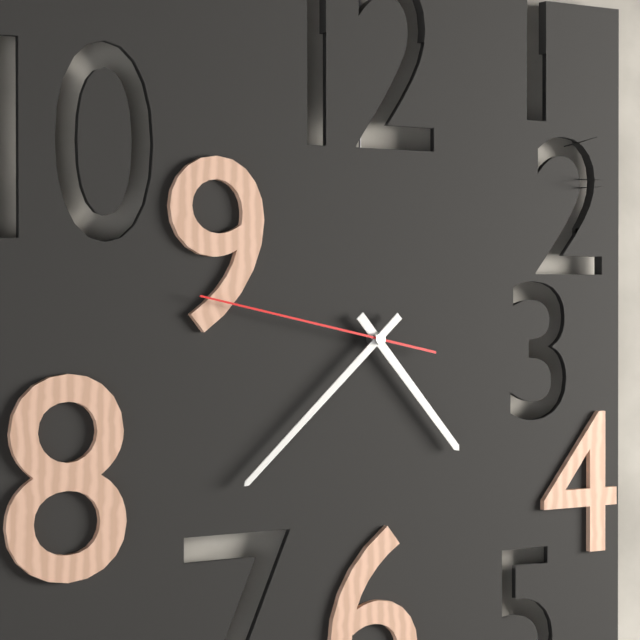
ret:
4,38,47
